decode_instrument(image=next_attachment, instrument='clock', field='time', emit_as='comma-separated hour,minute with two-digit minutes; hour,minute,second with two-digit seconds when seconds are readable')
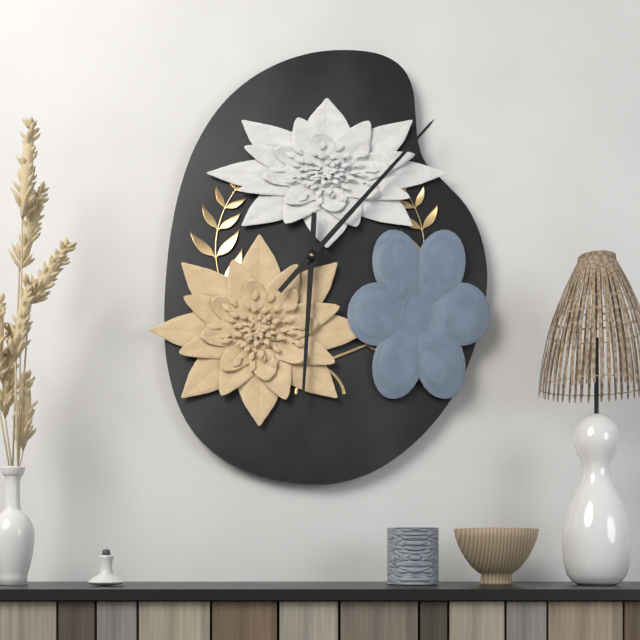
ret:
6,07
